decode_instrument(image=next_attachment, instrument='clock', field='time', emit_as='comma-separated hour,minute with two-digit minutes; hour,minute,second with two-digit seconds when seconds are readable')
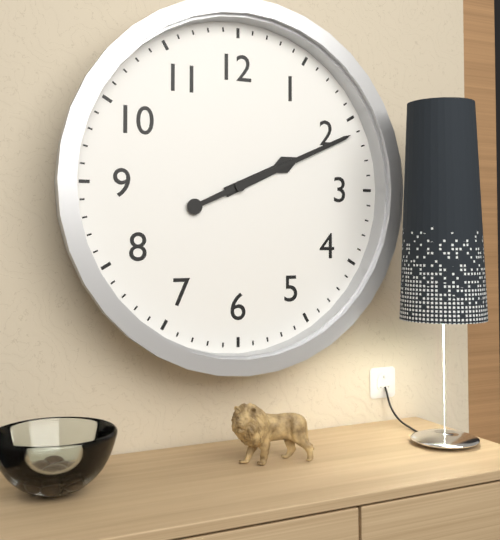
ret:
2,11
